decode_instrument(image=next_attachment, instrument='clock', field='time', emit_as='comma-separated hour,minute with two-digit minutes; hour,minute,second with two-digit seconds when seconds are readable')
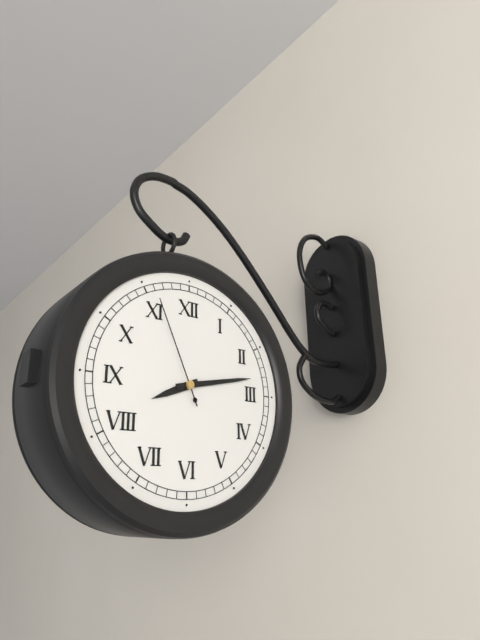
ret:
8,13,56
